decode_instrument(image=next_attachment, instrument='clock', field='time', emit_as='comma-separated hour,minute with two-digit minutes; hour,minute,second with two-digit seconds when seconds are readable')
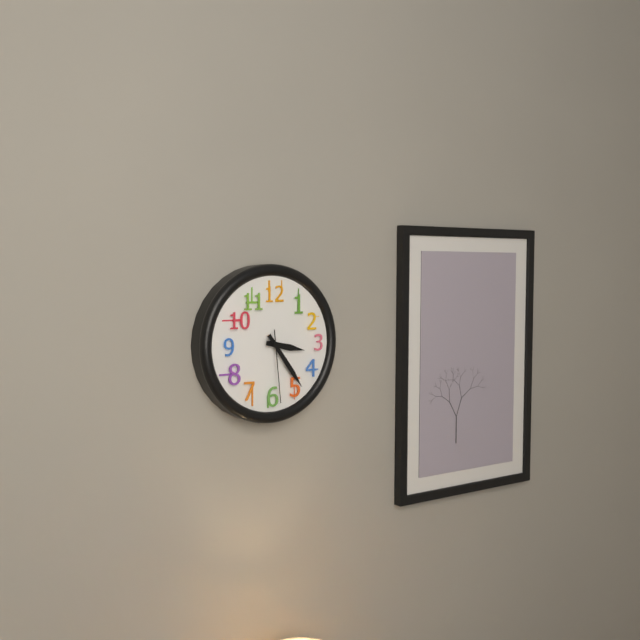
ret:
3,24,29
